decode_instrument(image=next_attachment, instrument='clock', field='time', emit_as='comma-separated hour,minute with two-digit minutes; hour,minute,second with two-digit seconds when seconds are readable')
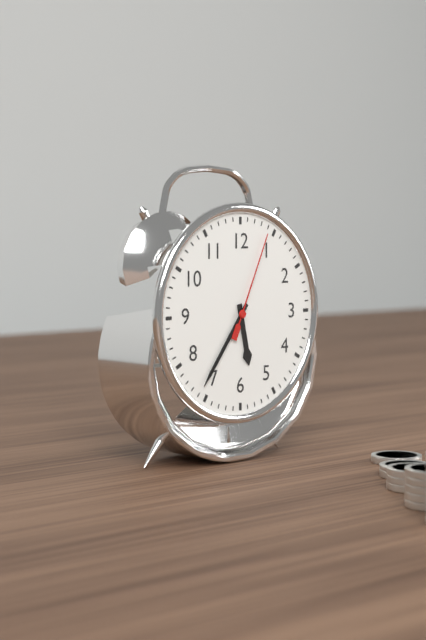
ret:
5,36,04
